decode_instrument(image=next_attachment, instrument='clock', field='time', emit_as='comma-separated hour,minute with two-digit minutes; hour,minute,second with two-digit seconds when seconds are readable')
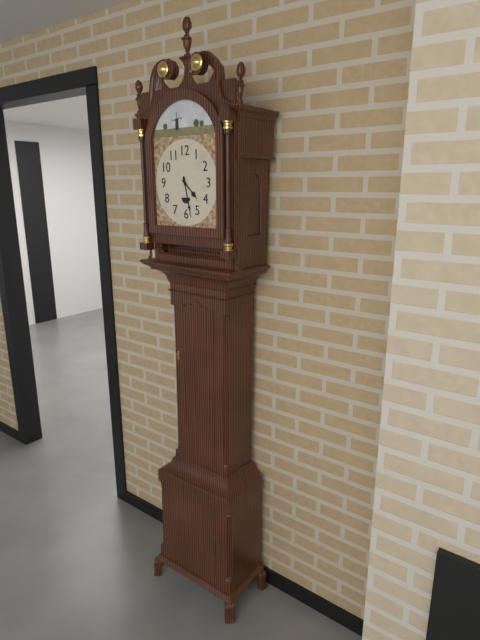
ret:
4,28
